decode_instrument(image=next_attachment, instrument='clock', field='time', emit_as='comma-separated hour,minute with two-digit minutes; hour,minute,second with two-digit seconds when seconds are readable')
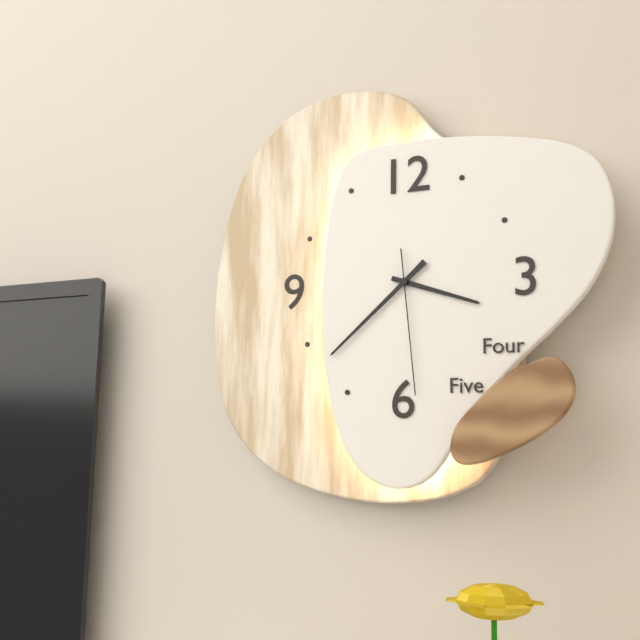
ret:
3,38,29
